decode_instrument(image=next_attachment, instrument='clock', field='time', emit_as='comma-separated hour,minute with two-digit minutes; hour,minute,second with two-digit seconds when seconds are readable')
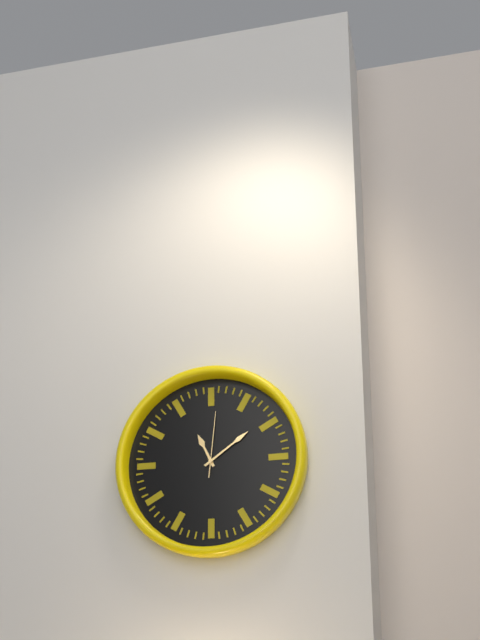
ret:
11,09,01
